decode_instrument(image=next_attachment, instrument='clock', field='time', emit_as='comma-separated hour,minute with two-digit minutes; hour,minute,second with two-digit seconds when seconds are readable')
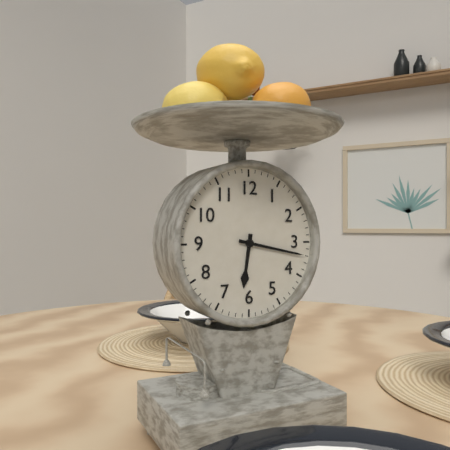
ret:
6,17
